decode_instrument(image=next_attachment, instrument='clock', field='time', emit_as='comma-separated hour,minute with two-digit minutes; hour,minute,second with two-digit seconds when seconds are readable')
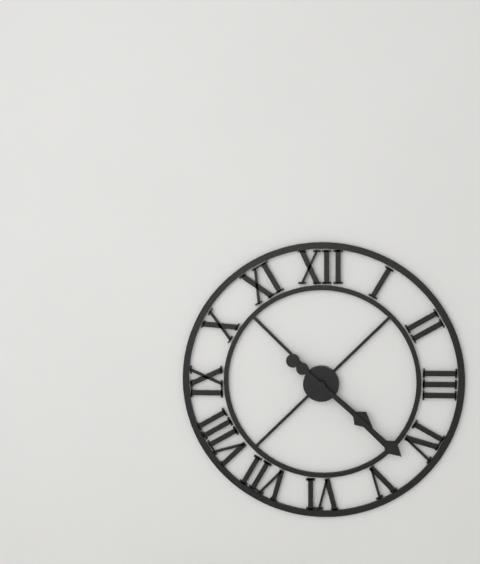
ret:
4,22
